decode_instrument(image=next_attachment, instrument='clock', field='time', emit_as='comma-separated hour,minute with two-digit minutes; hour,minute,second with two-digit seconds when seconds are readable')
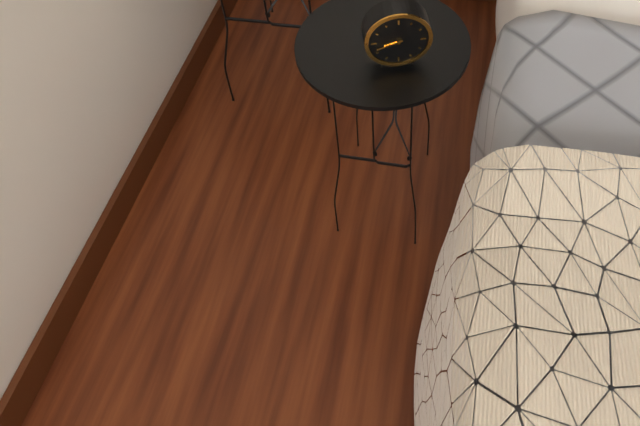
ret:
8,42
